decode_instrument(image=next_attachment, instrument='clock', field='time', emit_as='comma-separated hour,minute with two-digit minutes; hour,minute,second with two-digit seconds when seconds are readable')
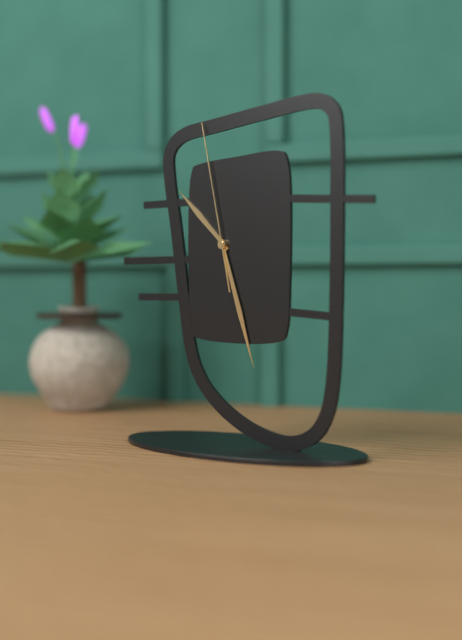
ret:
10,27,58
